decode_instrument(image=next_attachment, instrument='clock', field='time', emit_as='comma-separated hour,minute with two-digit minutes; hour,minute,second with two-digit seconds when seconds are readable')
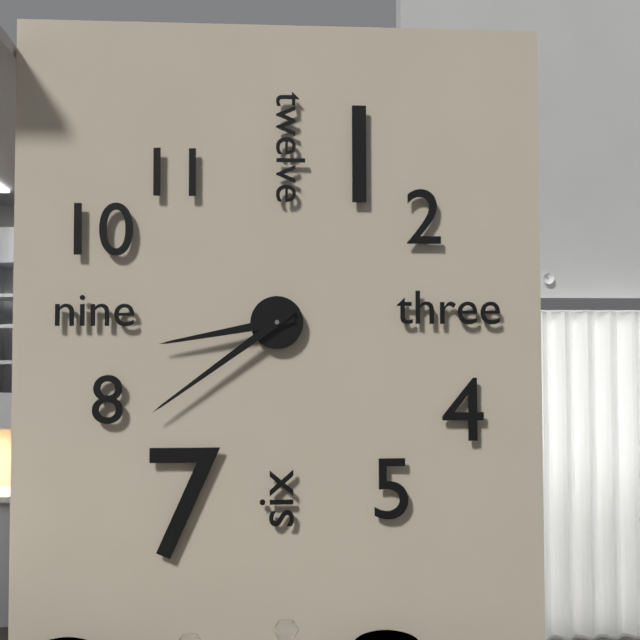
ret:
8,39
